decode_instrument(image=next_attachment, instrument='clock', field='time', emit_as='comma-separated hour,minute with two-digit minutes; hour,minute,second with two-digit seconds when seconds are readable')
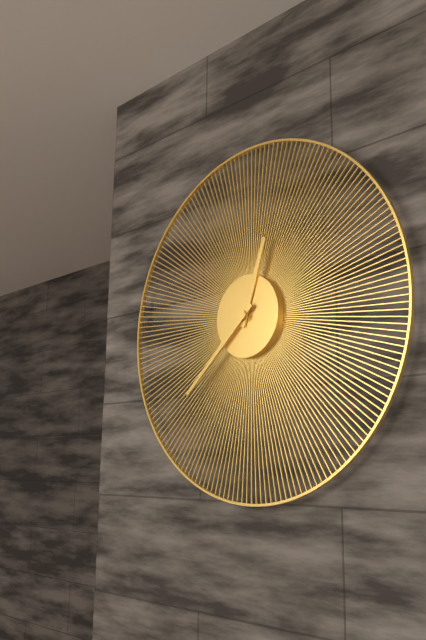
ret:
12,38
